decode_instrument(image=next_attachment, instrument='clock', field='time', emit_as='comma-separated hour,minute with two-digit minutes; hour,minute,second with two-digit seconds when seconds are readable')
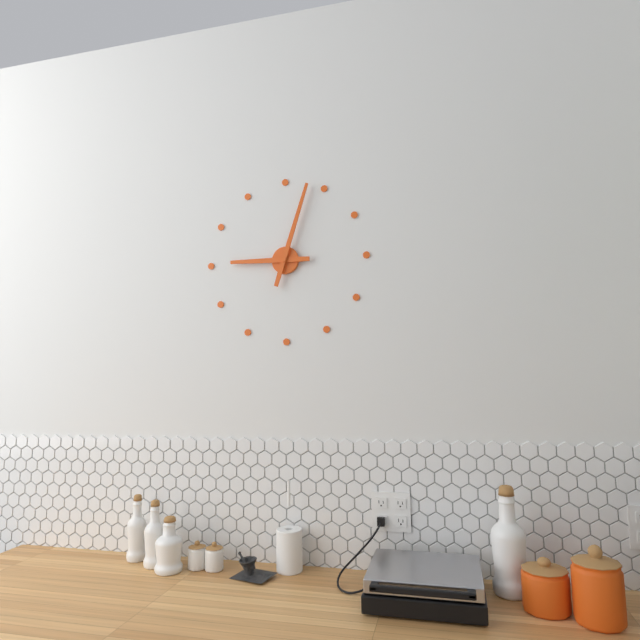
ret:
9,03
